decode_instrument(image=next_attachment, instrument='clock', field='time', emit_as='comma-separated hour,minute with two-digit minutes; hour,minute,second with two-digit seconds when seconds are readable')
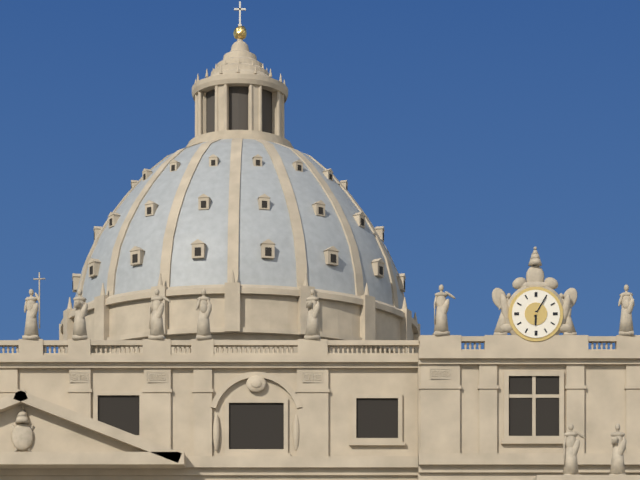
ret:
6,05
